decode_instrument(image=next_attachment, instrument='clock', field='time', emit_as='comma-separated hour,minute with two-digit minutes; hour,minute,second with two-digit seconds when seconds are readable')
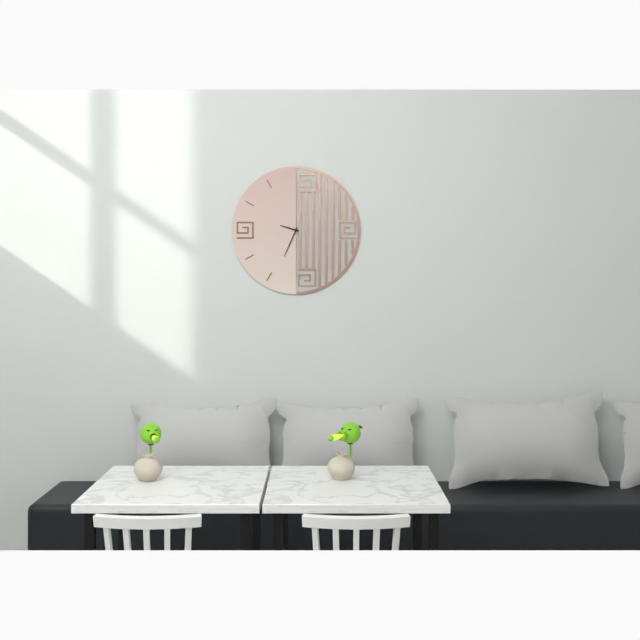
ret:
9,34
